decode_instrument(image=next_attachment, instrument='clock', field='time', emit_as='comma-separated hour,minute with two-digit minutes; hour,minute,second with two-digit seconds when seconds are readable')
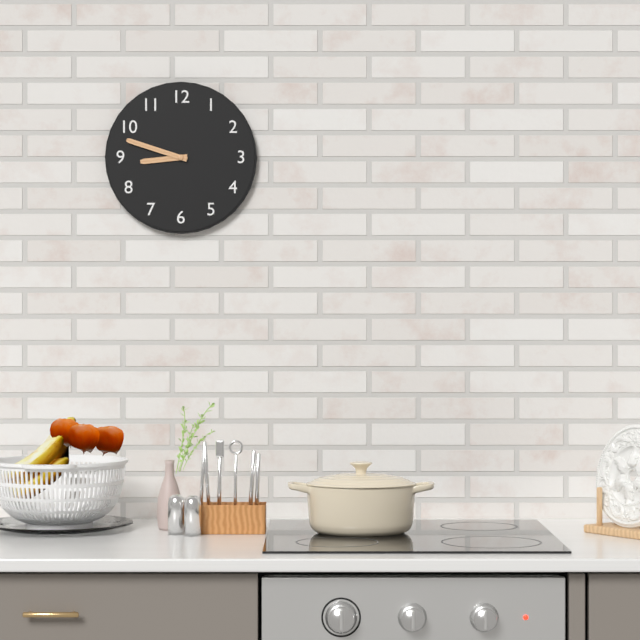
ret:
8,48
